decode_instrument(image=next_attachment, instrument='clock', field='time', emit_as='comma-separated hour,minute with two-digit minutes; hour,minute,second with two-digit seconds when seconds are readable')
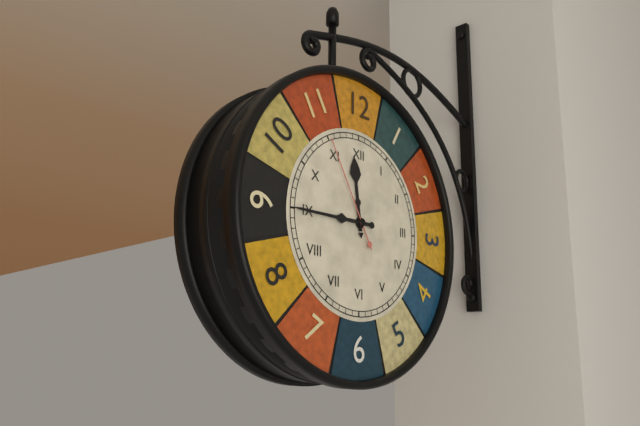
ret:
11,45,55
